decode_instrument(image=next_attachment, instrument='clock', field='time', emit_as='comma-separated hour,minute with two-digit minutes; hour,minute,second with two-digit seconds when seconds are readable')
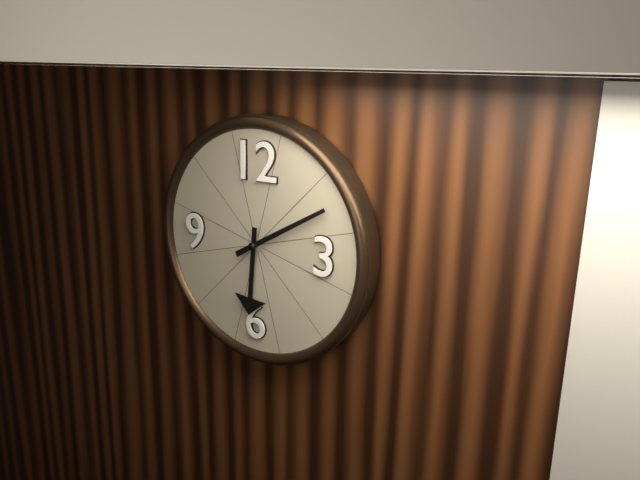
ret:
6,10
